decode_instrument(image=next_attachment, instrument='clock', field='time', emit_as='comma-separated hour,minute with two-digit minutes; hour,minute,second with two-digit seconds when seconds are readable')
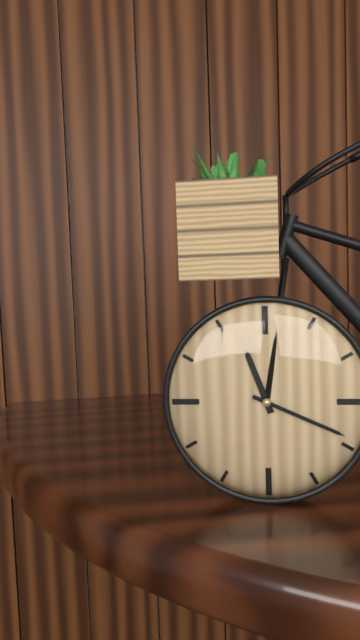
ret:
11,19
